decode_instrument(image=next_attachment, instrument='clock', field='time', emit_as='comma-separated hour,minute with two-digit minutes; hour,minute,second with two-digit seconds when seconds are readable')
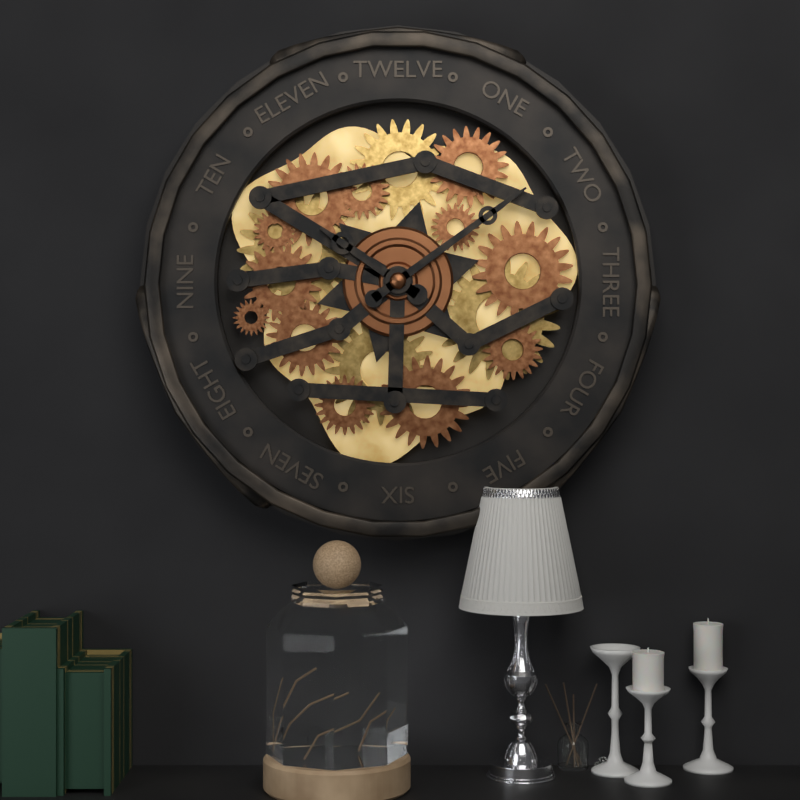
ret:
10,09
